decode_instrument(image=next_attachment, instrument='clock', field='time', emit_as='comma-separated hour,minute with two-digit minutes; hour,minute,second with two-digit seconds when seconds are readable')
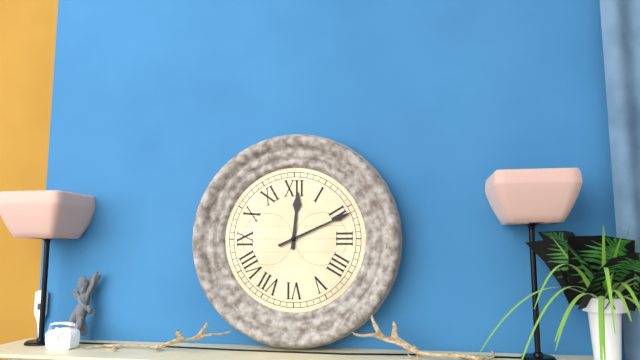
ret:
12,11
